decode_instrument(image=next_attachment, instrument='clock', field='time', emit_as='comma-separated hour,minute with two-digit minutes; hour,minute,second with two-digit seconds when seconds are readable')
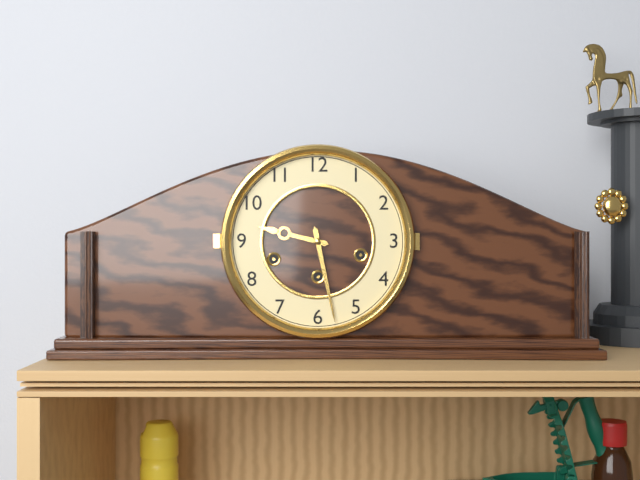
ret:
9,28
